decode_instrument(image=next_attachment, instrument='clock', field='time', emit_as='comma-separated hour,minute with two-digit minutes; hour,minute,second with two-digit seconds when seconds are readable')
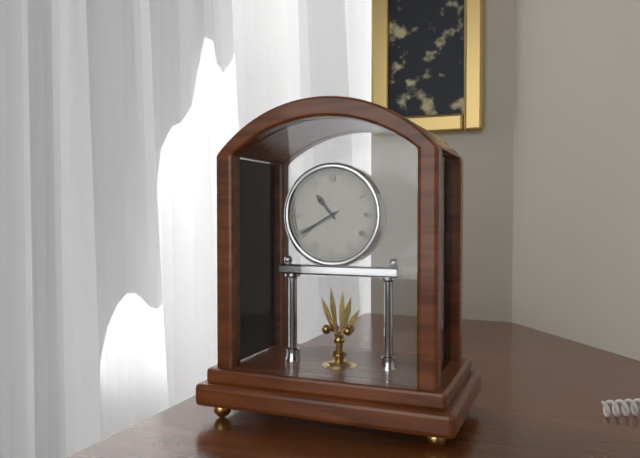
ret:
10,40
